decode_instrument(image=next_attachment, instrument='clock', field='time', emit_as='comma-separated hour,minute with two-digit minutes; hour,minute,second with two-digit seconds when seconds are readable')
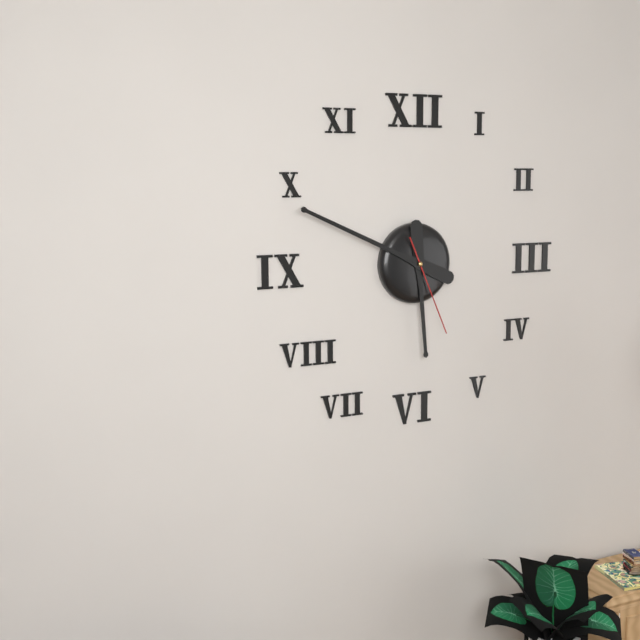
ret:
5,49,26
